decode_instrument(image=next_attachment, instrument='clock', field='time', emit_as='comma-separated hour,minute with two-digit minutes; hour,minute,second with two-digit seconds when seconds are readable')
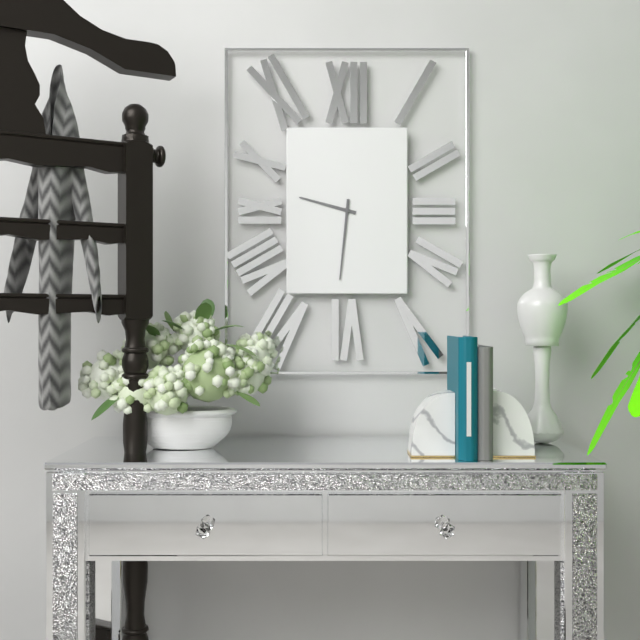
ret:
9,31
